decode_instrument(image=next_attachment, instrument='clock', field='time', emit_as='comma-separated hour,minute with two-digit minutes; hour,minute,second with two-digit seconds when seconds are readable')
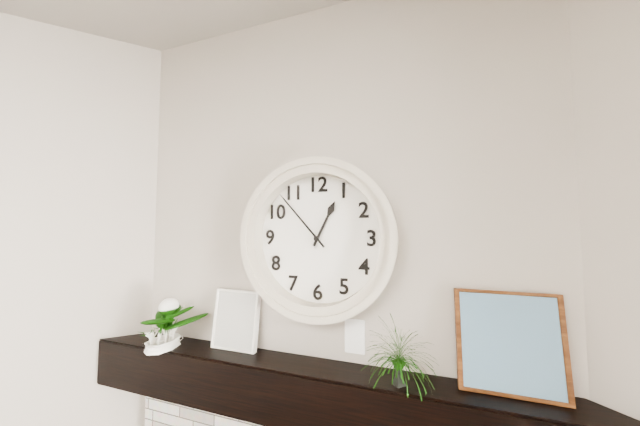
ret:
12,53
